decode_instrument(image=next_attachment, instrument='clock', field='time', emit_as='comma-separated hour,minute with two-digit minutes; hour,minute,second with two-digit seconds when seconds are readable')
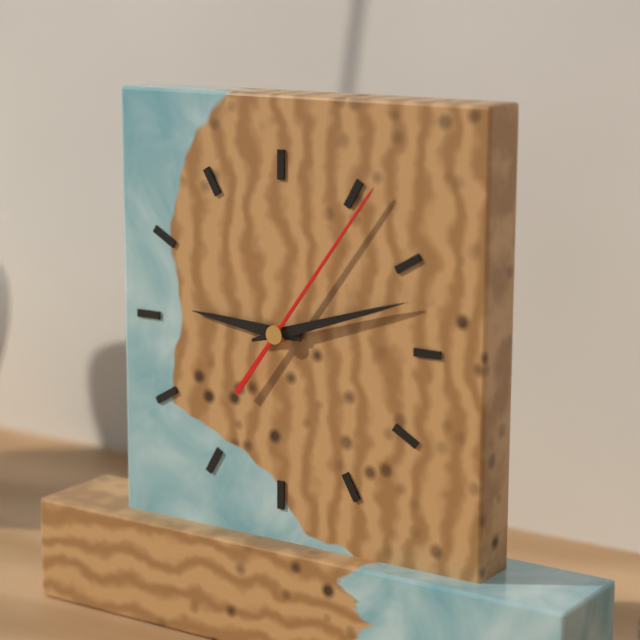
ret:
9,12,06
